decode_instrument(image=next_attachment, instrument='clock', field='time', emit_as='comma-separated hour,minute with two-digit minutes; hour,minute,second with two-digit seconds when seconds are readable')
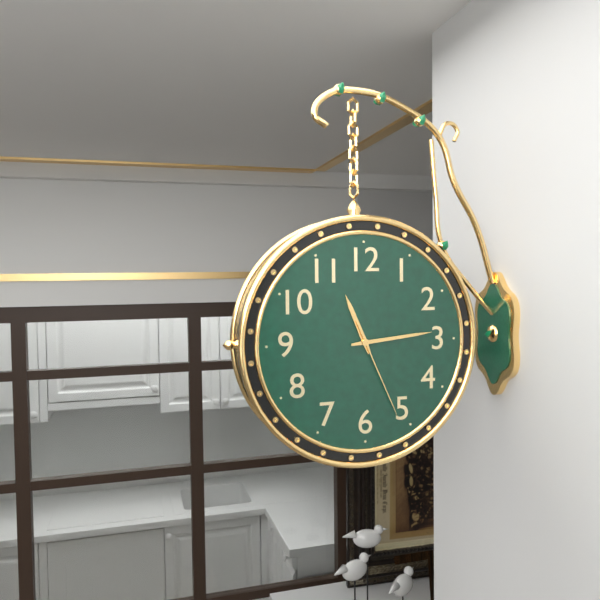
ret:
11,14,26
